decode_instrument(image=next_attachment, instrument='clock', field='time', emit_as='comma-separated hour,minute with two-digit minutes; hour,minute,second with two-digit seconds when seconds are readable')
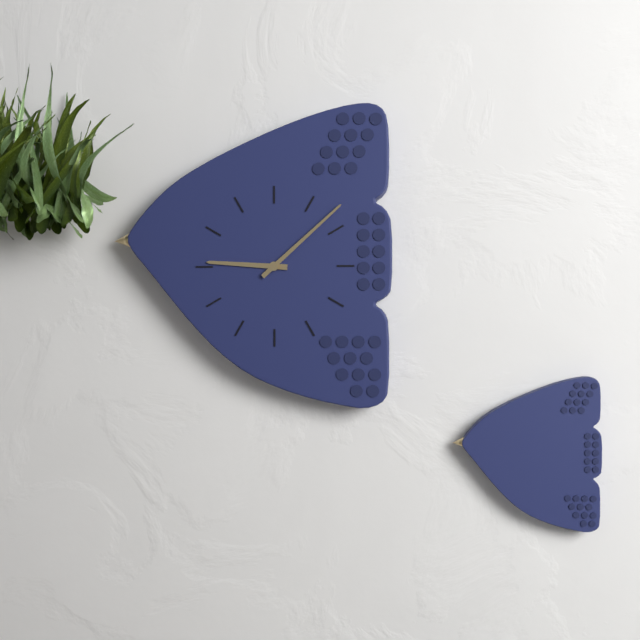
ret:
9,08
